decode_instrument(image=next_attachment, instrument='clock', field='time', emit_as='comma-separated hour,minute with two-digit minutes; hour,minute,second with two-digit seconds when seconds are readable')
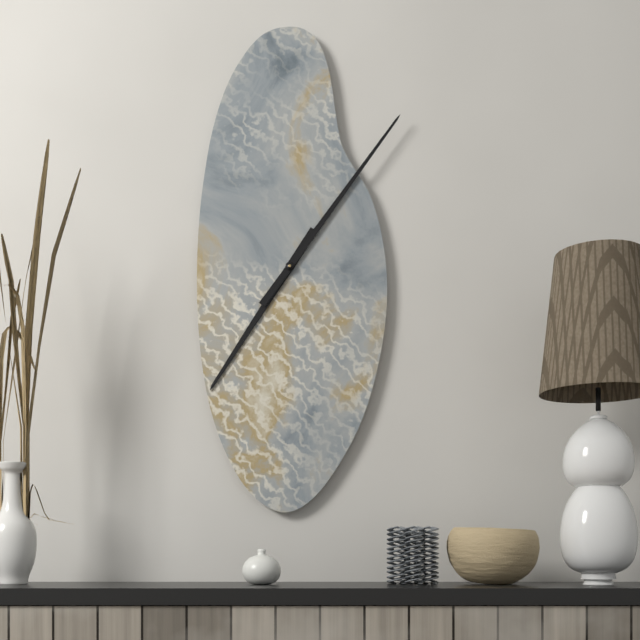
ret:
7,06
